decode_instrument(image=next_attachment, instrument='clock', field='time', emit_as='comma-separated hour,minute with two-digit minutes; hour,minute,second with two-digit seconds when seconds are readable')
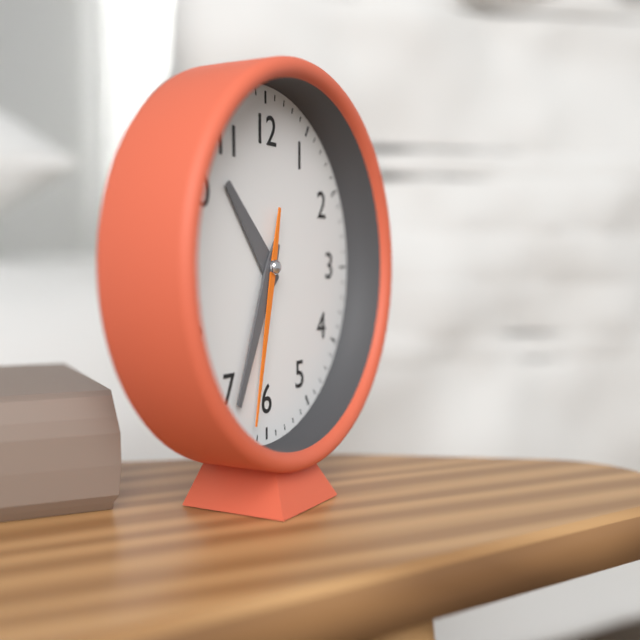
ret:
10,34,32
